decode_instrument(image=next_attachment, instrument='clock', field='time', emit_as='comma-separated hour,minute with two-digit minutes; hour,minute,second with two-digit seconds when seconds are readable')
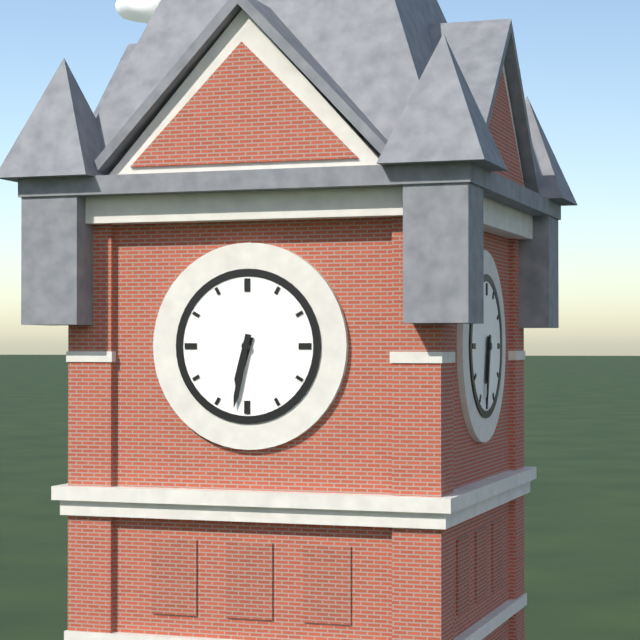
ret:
6,32
